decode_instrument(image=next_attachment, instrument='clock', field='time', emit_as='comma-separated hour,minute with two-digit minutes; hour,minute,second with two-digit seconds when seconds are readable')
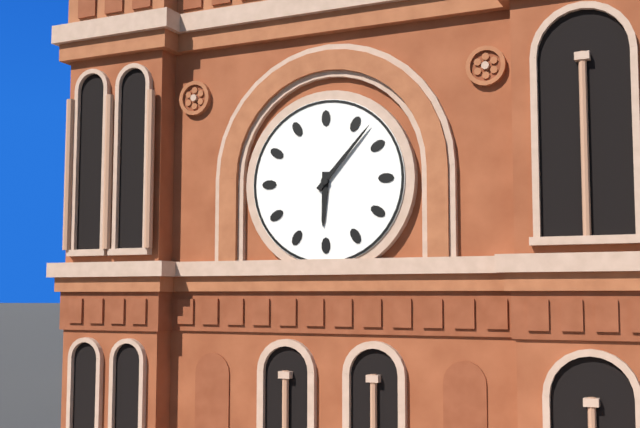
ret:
6,07
